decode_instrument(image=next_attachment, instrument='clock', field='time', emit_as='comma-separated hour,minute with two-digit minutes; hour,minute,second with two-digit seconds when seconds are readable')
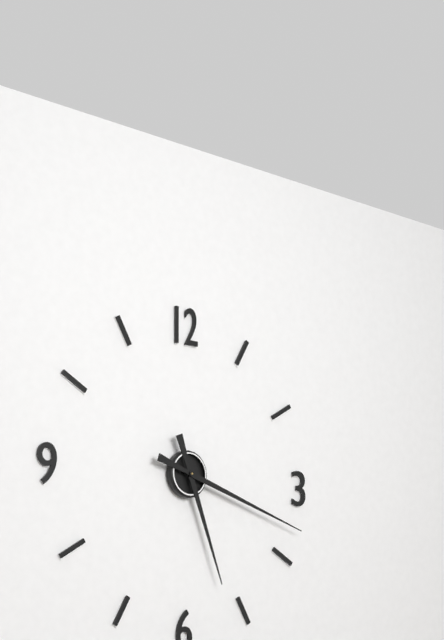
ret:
5,18
